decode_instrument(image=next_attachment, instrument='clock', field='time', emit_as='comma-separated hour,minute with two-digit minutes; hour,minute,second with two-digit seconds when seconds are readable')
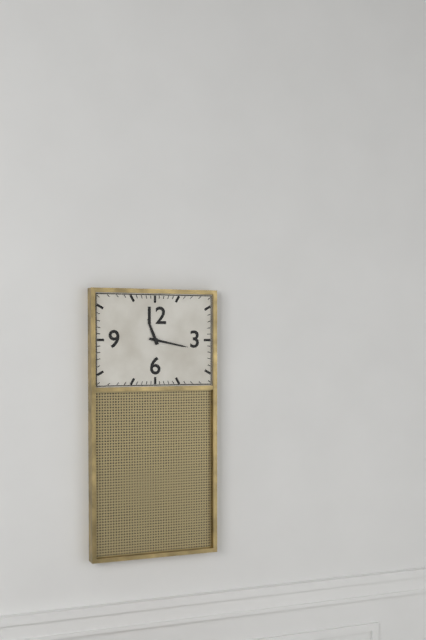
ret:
11,17
